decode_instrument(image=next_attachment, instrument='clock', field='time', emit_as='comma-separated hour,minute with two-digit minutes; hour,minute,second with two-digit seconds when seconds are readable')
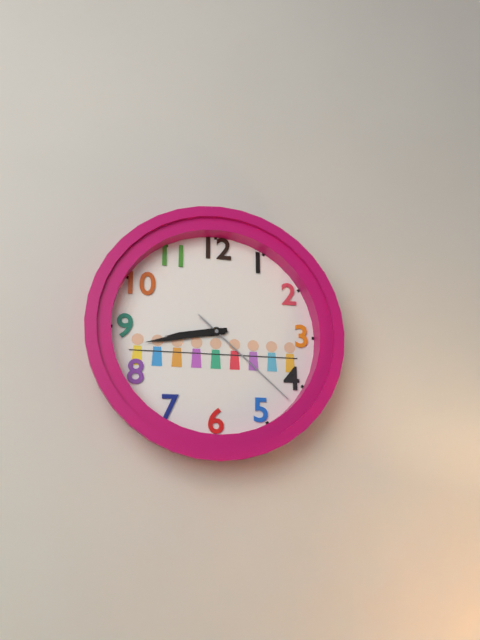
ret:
8,43,22
